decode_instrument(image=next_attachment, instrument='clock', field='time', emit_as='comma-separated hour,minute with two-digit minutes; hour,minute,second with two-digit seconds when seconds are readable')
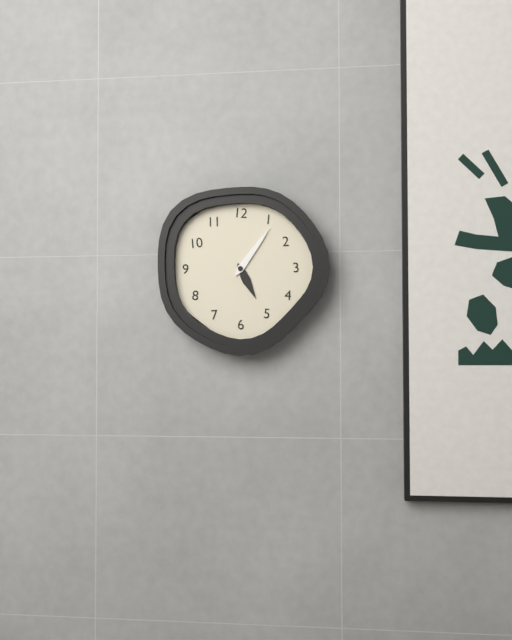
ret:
5,06
